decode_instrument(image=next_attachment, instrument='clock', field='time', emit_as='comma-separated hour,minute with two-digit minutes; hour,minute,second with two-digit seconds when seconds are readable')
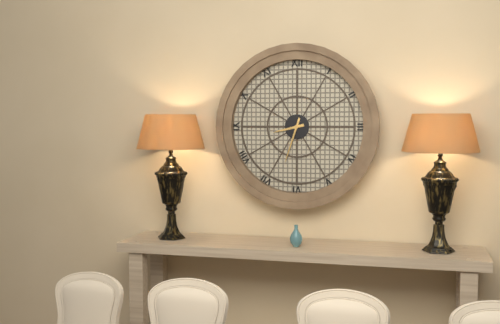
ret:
8,33
